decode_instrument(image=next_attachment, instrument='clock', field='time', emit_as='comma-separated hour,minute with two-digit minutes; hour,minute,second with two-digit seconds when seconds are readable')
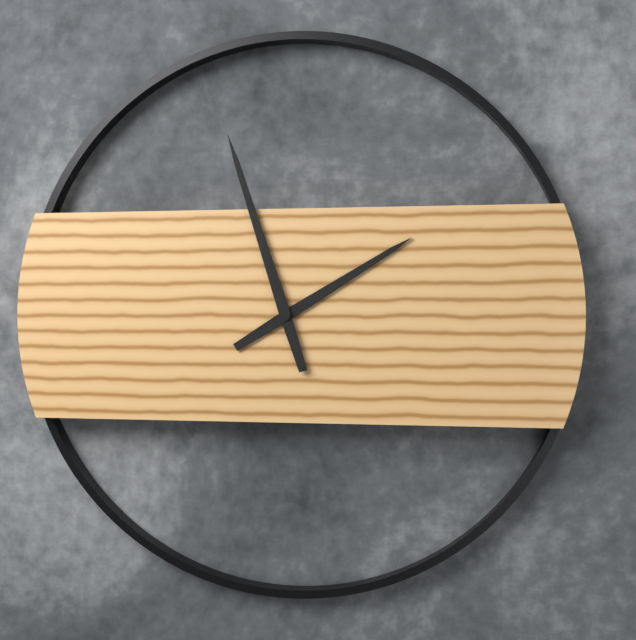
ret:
1,57
